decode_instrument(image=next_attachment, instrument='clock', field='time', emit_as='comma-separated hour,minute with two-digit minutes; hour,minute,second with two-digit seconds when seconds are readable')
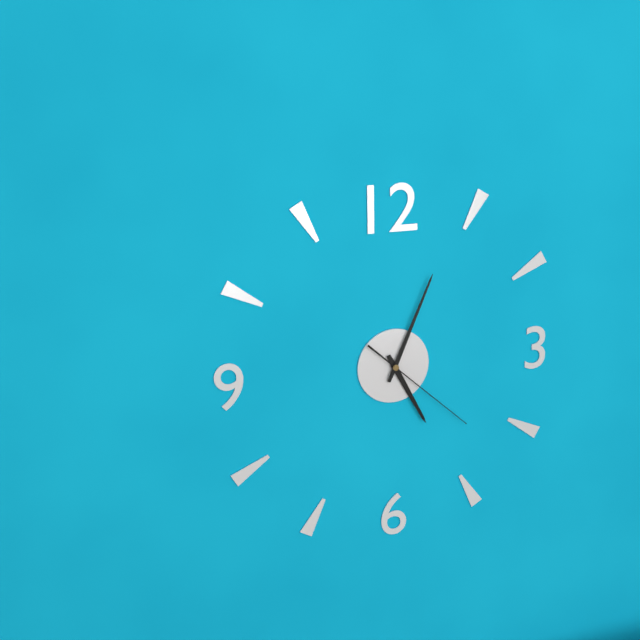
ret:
5,04,22
